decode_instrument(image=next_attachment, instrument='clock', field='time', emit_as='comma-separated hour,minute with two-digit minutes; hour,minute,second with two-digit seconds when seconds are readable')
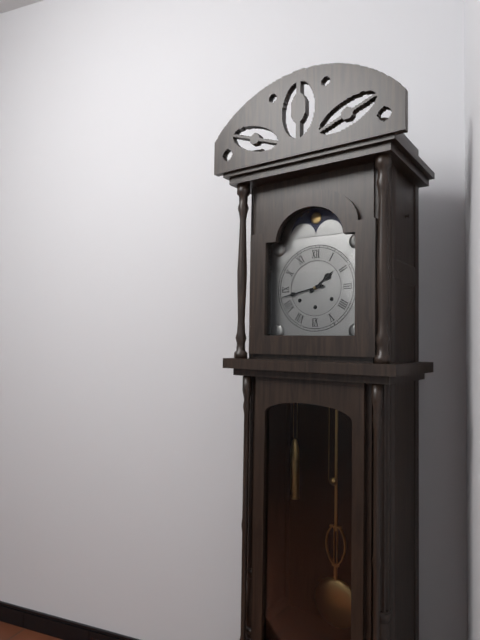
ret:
1,43
